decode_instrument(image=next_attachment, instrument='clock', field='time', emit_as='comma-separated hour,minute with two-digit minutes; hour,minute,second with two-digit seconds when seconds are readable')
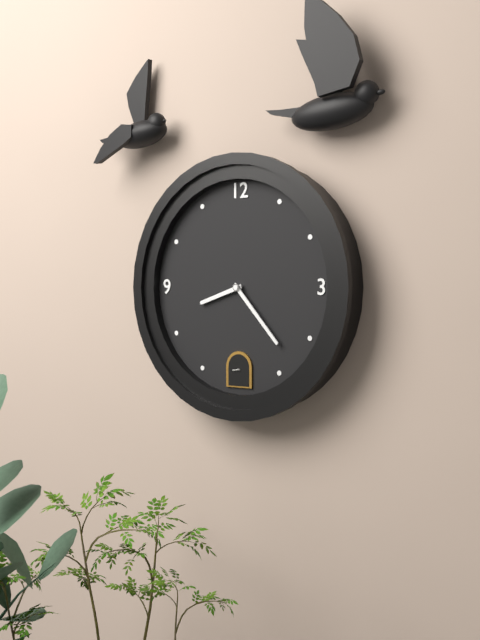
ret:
8,23
